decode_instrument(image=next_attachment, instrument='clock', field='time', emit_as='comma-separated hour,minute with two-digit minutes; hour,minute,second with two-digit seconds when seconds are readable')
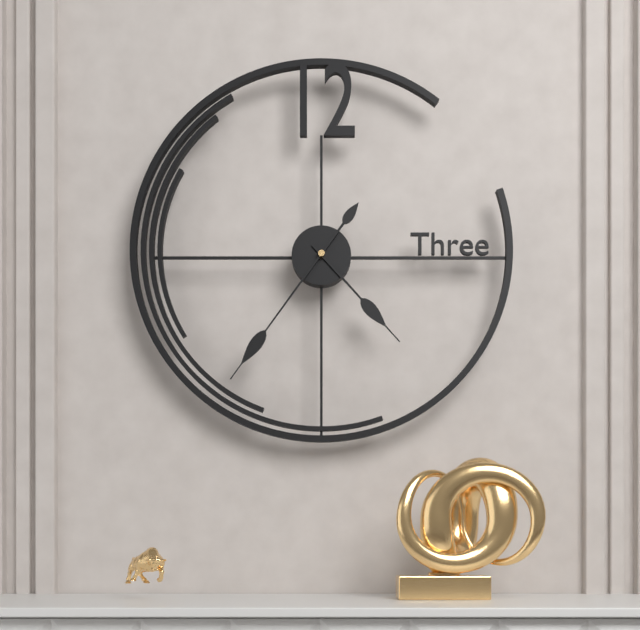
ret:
4,36
